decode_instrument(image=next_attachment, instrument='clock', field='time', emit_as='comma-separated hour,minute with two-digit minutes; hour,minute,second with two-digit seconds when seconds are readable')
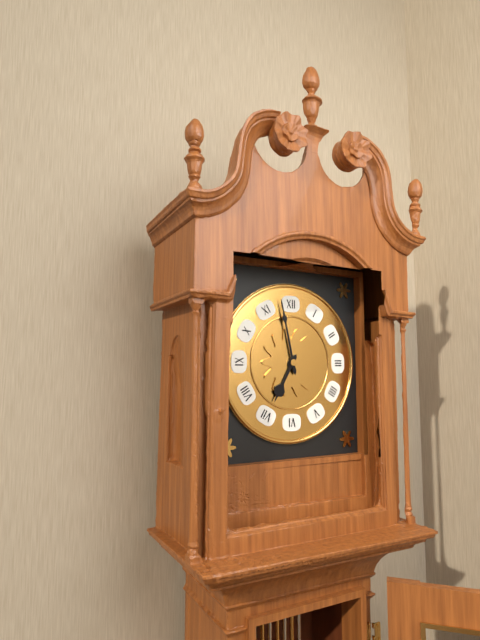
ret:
6,58
